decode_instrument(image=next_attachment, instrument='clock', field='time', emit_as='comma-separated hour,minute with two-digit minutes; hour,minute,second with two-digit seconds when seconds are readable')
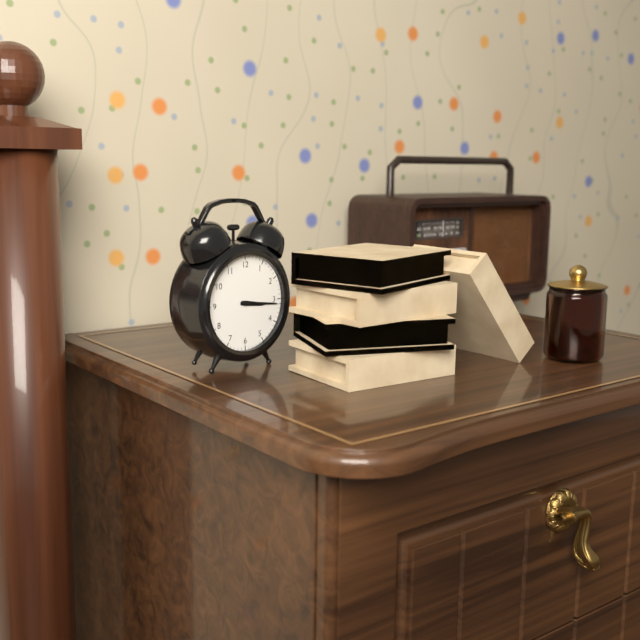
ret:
3,16
